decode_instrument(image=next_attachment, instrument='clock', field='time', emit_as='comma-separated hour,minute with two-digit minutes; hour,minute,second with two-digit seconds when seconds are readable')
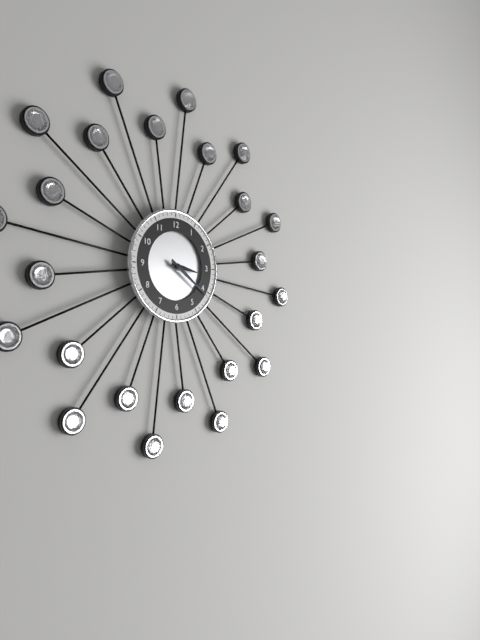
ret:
3,21
